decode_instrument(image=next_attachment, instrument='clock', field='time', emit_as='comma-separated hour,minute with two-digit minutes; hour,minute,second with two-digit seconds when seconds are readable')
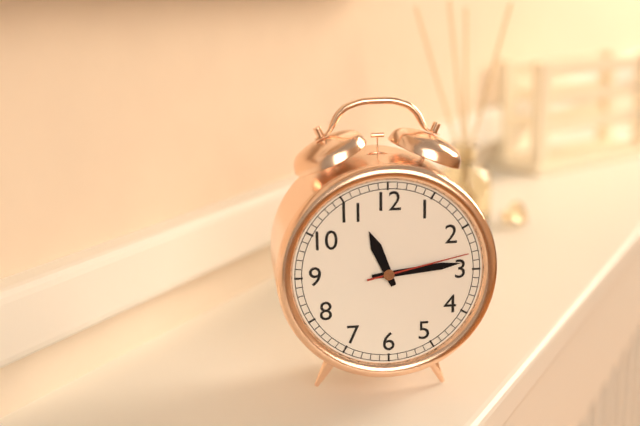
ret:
11,14,13
